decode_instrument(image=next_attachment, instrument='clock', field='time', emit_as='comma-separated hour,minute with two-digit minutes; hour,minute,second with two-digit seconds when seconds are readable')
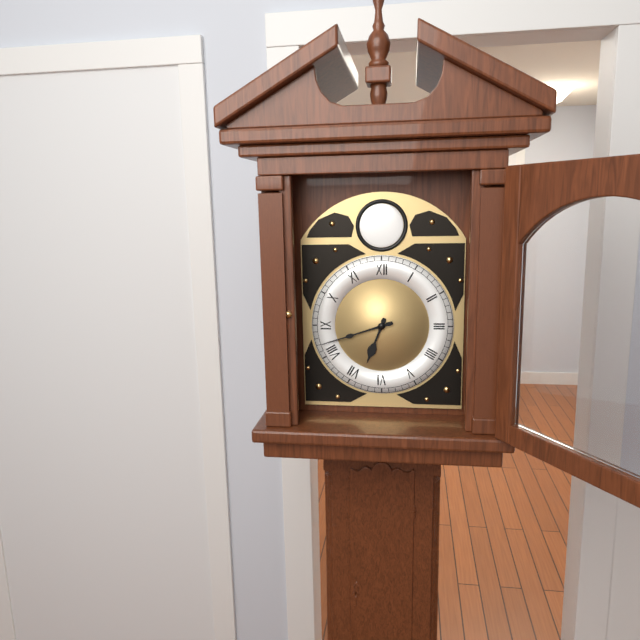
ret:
6,42
